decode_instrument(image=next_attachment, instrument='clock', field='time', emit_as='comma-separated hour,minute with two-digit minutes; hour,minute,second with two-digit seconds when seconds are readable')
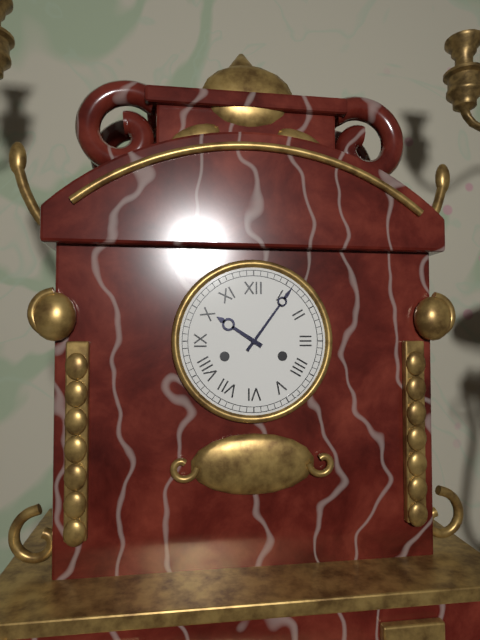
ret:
10,06
